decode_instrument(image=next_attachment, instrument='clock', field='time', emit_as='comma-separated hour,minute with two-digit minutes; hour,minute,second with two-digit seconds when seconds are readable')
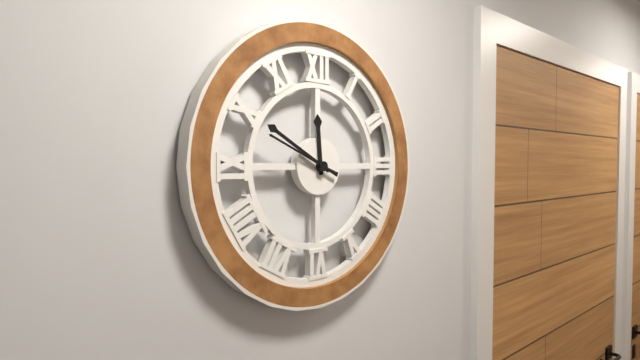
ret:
11,50,49
